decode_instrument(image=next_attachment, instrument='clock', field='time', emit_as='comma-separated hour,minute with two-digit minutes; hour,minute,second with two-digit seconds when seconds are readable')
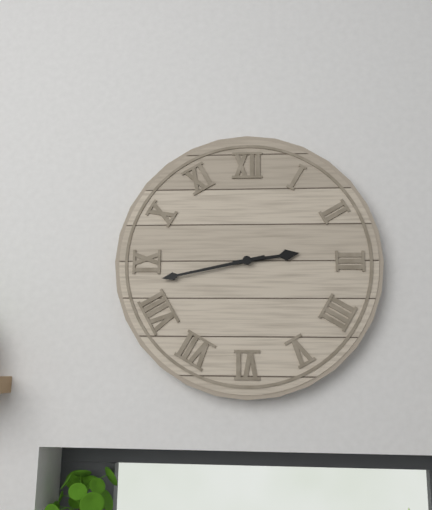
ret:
2,43
